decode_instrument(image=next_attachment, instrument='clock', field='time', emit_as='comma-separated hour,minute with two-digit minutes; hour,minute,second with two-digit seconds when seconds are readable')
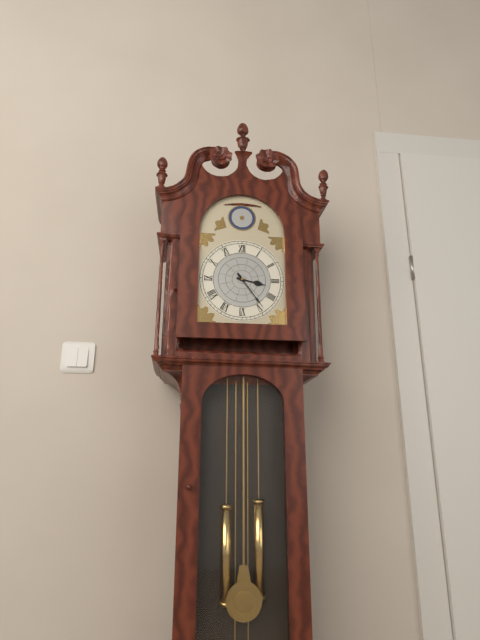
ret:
3,24
